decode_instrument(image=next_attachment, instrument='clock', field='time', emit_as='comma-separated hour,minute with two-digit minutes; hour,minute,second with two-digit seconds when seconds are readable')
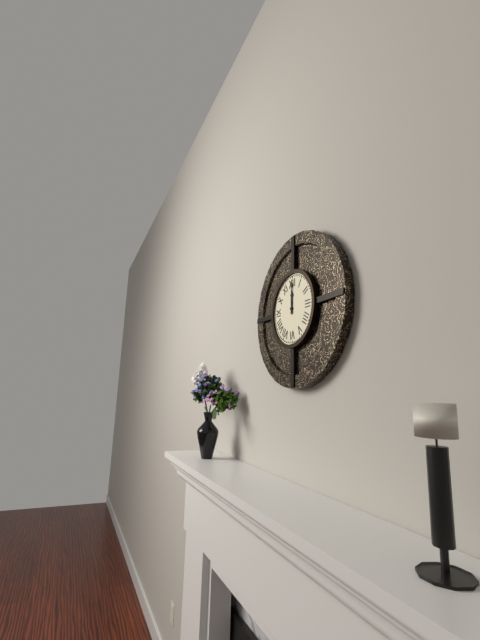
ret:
12,00
